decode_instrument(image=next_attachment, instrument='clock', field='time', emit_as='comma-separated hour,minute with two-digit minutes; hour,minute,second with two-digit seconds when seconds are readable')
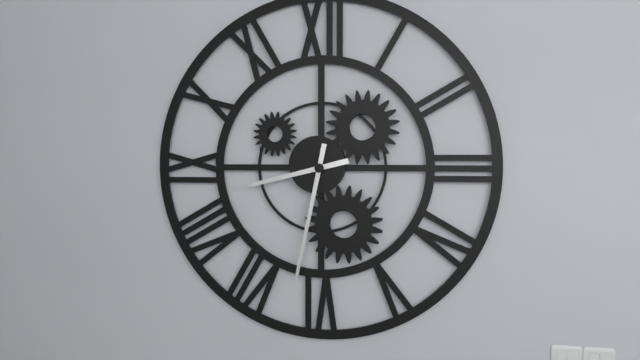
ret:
8,32
